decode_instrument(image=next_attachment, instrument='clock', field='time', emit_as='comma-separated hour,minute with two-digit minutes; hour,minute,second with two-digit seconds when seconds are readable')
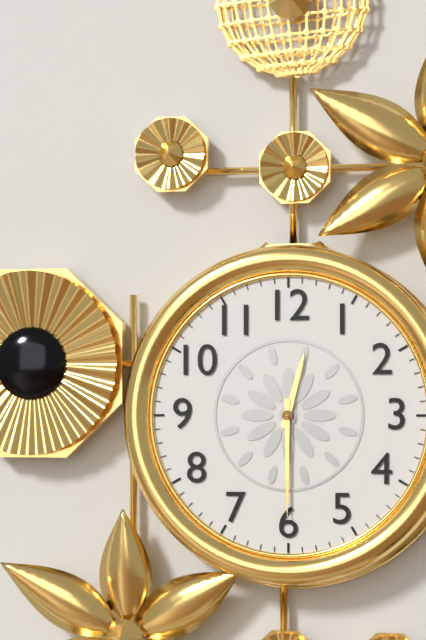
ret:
12,30
